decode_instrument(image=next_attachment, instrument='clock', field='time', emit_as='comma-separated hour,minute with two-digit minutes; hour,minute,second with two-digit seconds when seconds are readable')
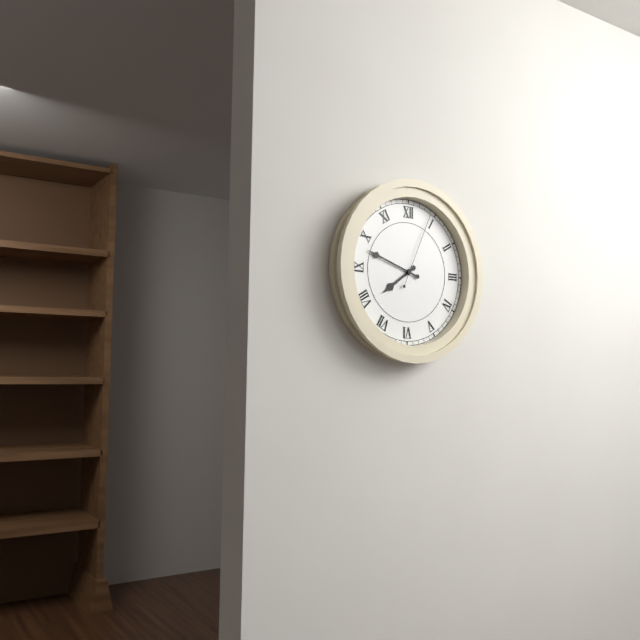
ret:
7,48,04
